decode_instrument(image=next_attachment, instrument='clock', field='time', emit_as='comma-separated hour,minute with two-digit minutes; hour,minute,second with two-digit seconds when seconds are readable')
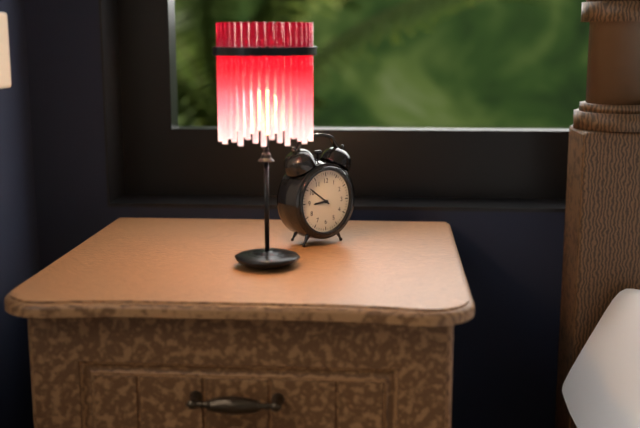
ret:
8,51
